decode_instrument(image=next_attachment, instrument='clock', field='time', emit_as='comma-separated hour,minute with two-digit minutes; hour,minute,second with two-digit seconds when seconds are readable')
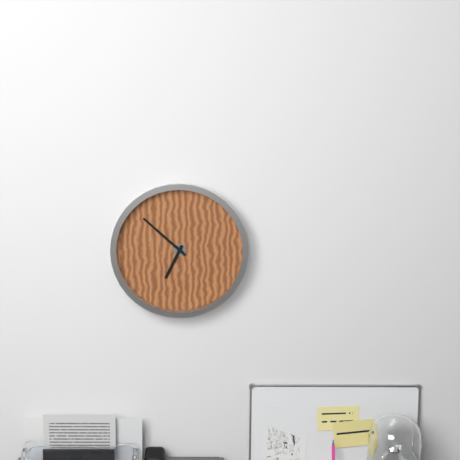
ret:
6,52
